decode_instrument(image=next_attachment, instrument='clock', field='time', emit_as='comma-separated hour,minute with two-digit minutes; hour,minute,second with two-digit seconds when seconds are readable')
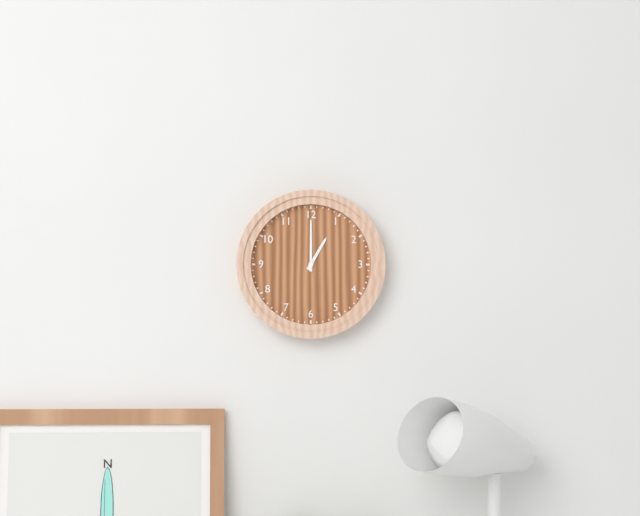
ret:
1,00
